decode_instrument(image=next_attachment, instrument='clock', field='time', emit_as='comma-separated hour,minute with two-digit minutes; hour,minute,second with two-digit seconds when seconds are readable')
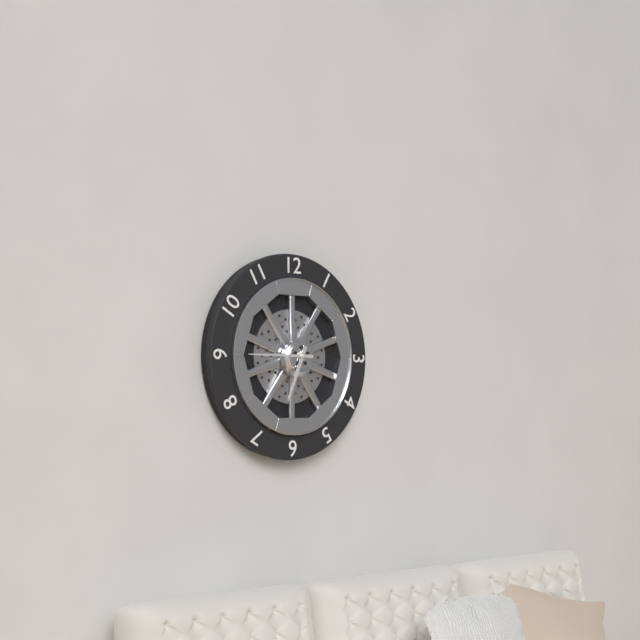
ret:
6,45
